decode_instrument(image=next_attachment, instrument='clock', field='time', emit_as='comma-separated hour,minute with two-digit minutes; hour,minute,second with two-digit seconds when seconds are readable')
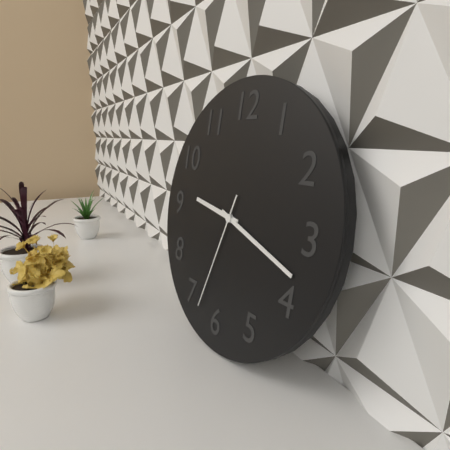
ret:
9,18,33
